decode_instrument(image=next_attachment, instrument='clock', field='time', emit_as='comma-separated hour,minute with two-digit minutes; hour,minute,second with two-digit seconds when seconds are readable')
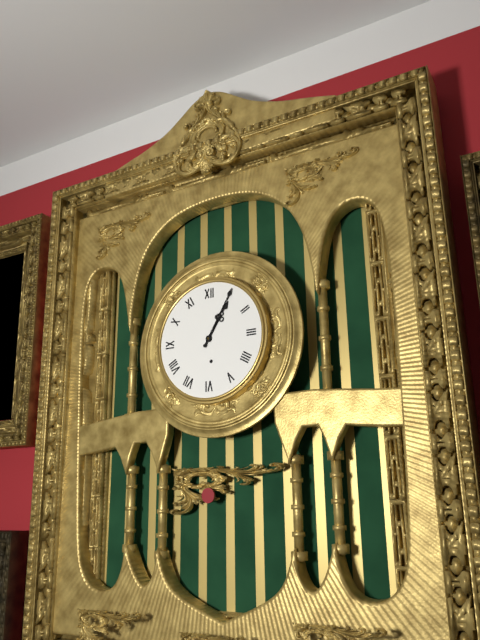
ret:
1,05
